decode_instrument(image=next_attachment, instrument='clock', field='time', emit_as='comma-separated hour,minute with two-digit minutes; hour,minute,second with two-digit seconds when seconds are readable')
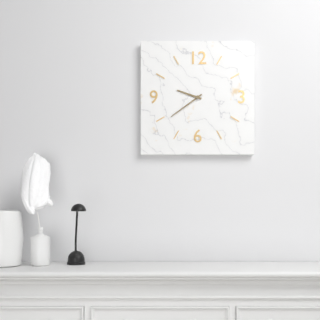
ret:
9,39
